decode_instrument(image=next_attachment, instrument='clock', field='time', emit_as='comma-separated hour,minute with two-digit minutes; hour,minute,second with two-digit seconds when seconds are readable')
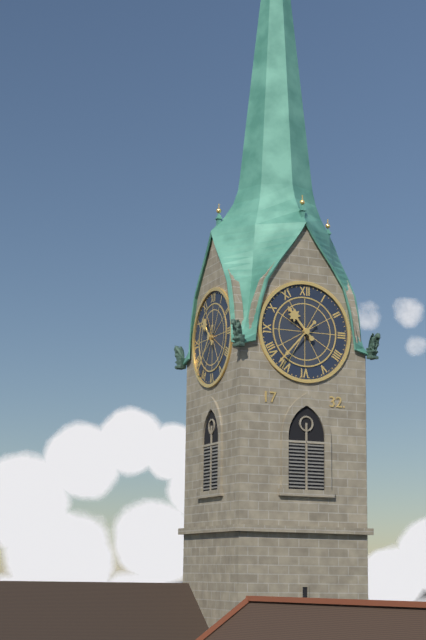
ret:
10,37
